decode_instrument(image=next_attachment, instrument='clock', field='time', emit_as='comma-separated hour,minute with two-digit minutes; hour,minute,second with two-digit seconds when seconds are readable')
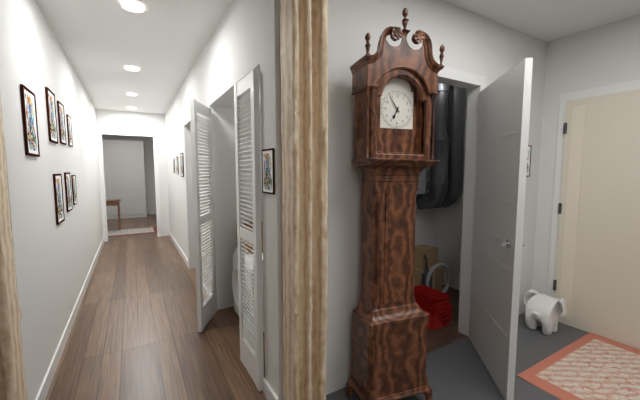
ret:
6,54
